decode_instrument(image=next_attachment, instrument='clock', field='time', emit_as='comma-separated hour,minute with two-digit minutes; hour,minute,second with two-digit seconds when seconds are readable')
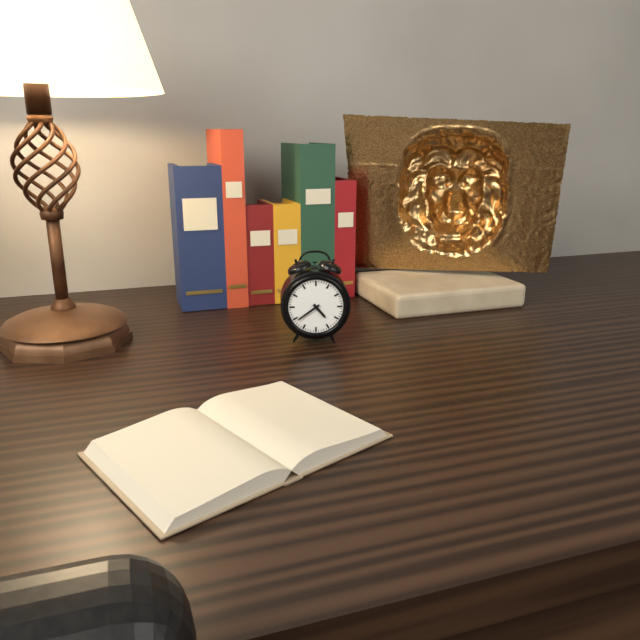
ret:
4,39
